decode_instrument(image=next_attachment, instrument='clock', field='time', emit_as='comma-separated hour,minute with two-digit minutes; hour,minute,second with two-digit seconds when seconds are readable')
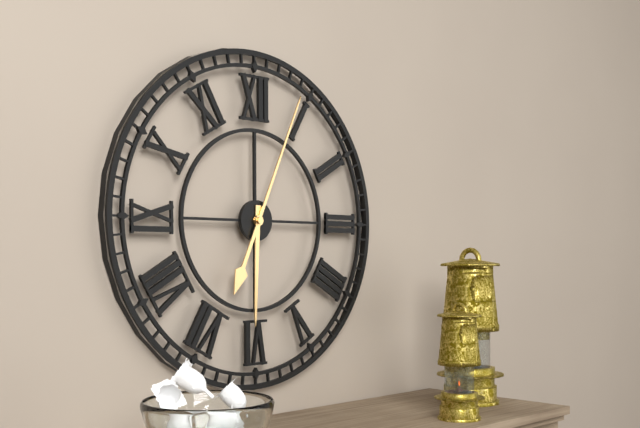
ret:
6,04
